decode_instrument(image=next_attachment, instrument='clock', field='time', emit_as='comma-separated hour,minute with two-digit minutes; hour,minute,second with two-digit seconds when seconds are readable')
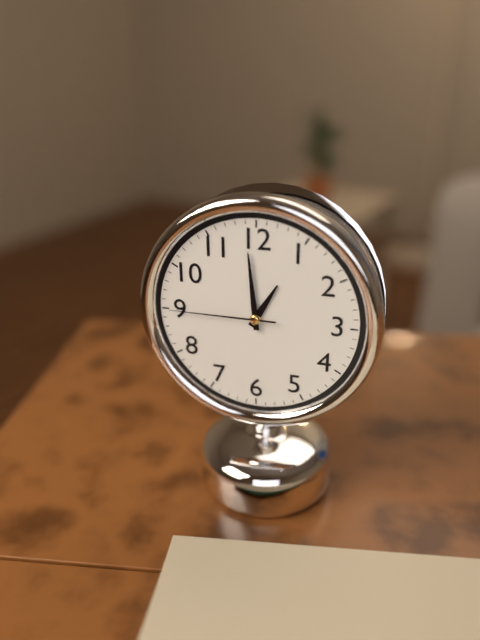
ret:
12,59,45
